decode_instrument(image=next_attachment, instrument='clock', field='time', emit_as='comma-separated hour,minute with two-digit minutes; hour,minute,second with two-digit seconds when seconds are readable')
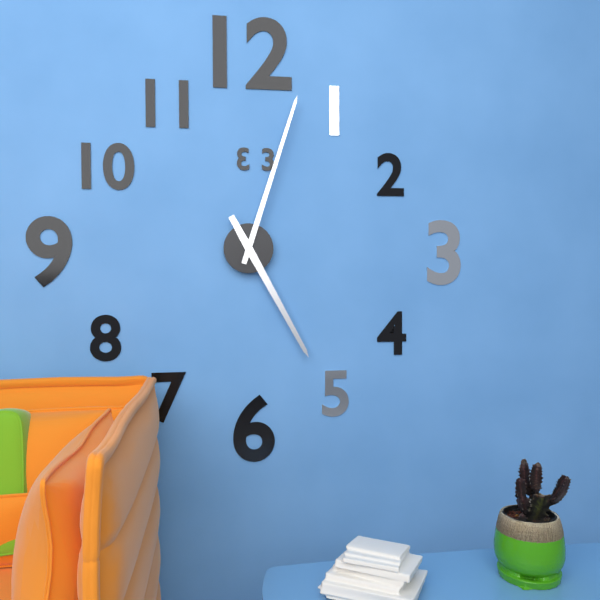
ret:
5,03
